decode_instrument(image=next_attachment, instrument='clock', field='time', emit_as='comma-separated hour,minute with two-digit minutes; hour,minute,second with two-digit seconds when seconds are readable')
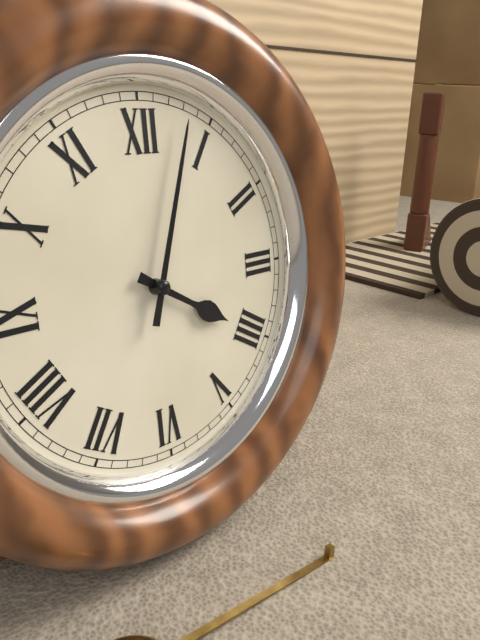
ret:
4,03
